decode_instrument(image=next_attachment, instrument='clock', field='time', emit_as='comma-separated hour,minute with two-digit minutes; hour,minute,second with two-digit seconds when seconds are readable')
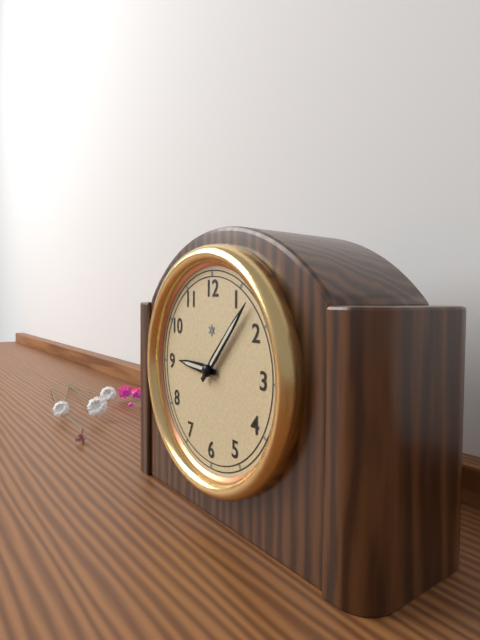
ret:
9,07
